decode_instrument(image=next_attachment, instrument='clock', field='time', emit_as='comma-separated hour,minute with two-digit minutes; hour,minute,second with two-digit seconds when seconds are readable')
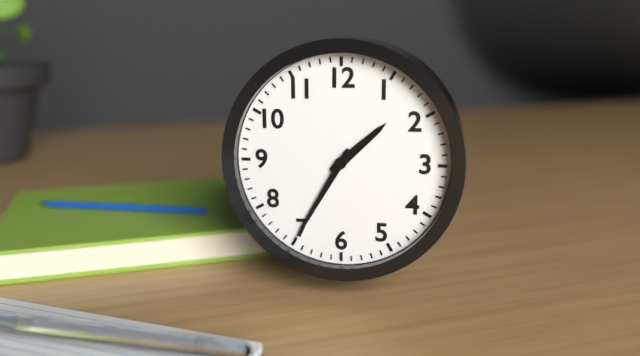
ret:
1,35
